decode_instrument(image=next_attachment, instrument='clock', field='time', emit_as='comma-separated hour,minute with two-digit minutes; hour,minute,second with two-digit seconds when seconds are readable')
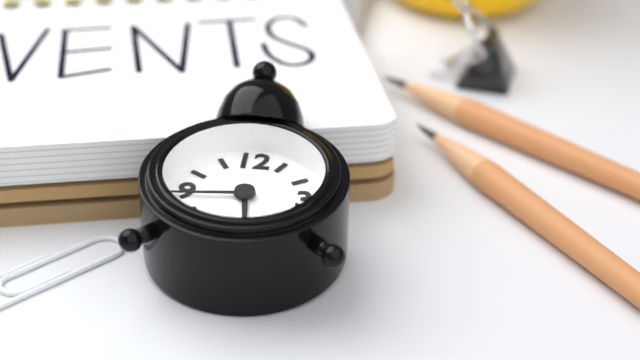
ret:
5,44
